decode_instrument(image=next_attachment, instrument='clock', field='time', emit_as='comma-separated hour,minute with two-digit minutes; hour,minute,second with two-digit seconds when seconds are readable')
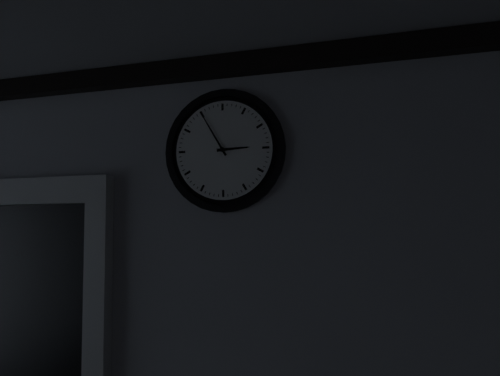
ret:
2,55
